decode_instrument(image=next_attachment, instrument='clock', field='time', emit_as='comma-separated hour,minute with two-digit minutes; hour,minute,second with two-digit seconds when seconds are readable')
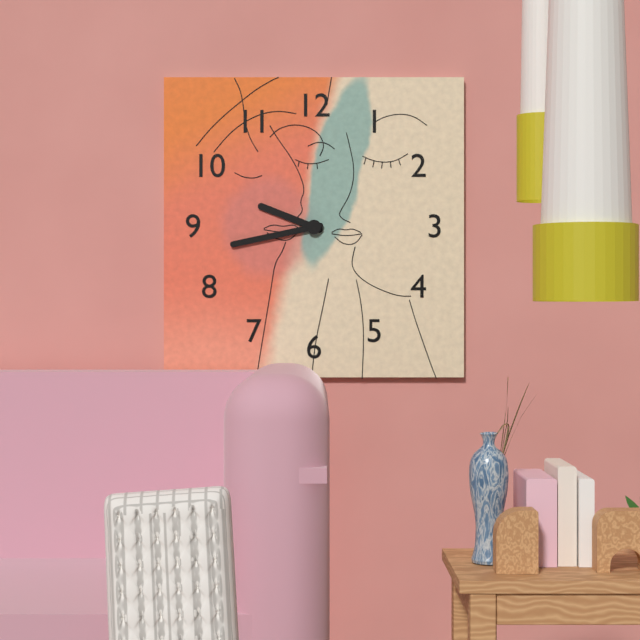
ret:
9,43
